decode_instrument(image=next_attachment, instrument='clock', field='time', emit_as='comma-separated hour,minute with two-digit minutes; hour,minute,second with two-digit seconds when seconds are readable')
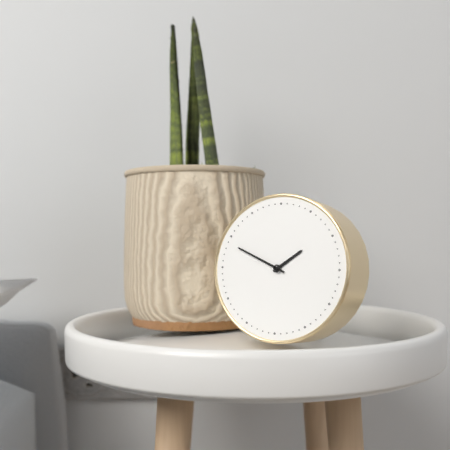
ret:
1,49
